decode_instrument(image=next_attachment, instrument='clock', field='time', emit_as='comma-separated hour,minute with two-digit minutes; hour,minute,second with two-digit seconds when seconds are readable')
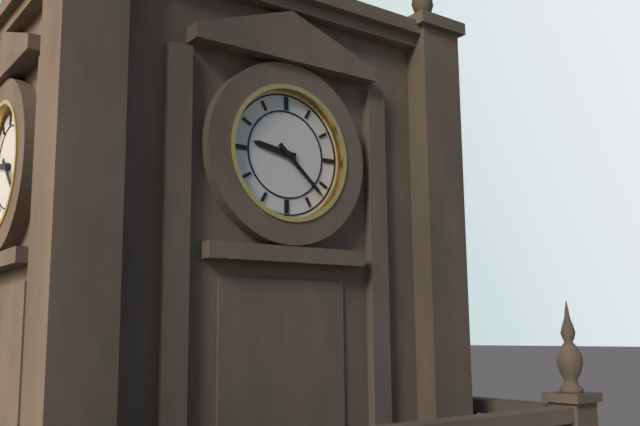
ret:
9,22
